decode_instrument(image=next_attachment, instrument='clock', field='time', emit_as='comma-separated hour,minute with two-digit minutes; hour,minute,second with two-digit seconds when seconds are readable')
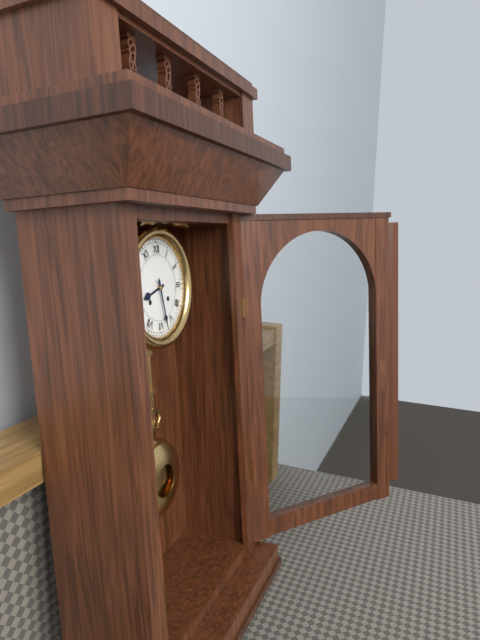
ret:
8,28
